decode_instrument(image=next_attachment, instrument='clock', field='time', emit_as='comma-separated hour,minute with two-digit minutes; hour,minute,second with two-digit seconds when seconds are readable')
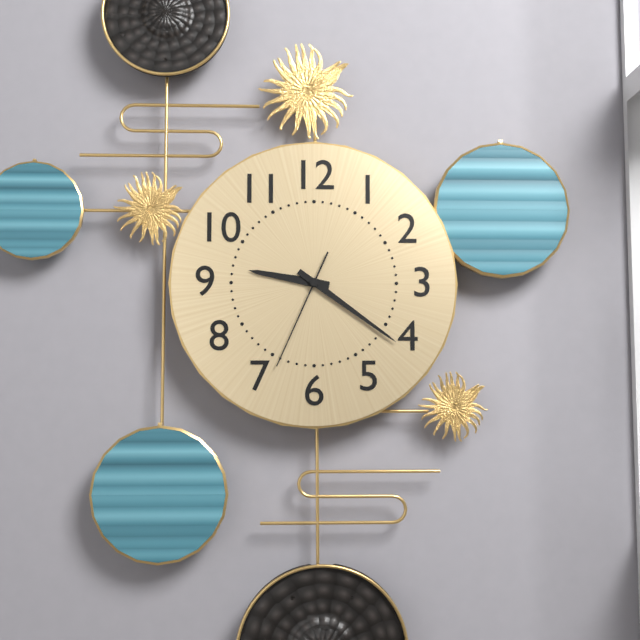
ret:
9,21,34
